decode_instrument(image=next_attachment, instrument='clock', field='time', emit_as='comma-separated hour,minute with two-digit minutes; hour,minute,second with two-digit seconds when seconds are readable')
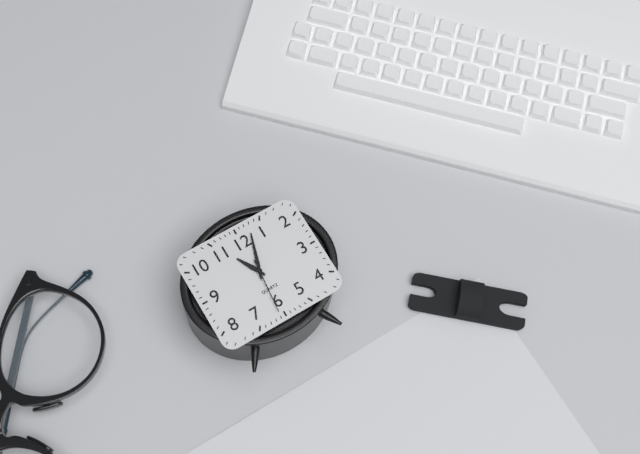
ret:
11,03,31
